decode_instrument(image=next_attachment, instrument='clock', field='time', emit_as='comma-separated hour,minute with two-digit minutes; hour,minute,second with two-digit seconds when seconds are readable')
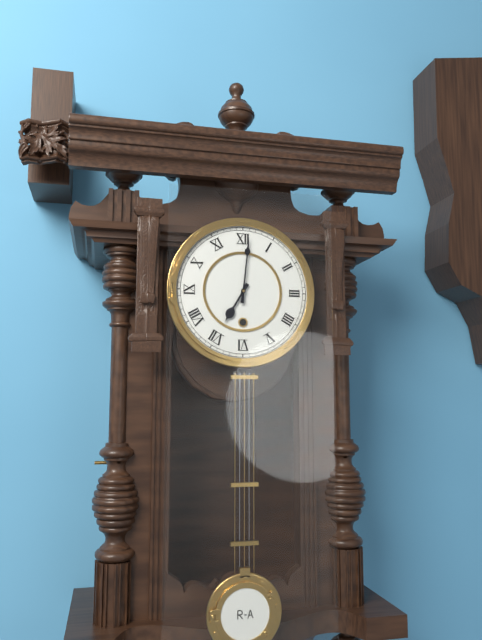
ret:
7,01
